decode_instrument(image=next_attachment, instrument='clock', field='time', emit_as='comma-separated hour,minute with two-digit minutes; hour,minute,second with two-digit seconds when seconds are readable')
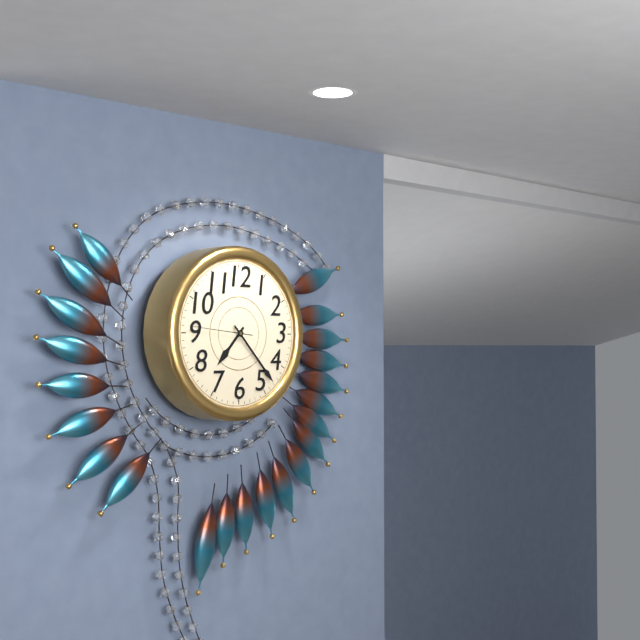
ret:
7,23,46
